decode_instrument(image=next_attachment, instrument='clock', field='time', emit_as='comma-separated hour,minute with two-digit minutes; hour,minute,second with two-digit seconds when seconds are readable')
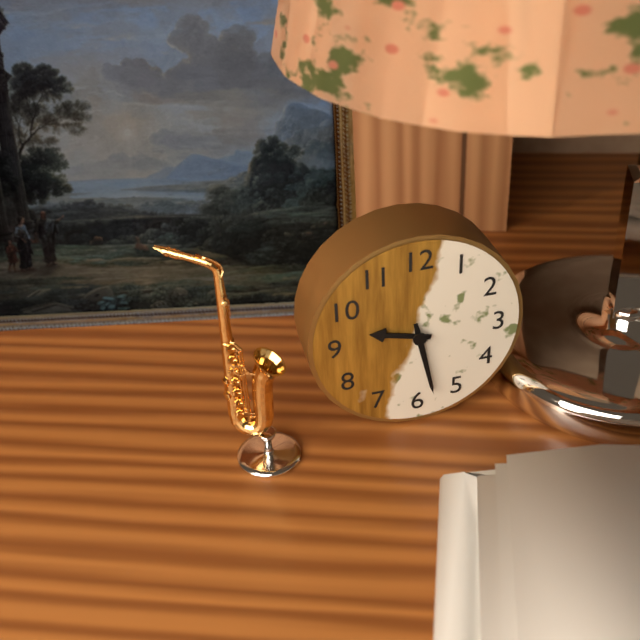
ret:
9,28
